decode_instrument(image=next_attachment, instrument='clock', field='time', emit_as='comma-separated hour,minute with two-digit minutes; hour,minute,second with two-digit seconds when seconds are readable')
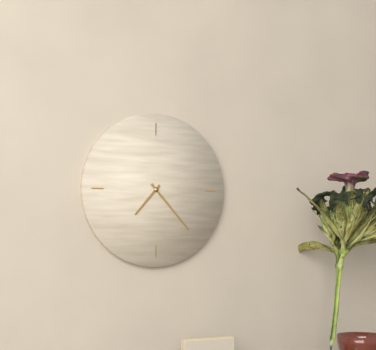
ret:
7,23
